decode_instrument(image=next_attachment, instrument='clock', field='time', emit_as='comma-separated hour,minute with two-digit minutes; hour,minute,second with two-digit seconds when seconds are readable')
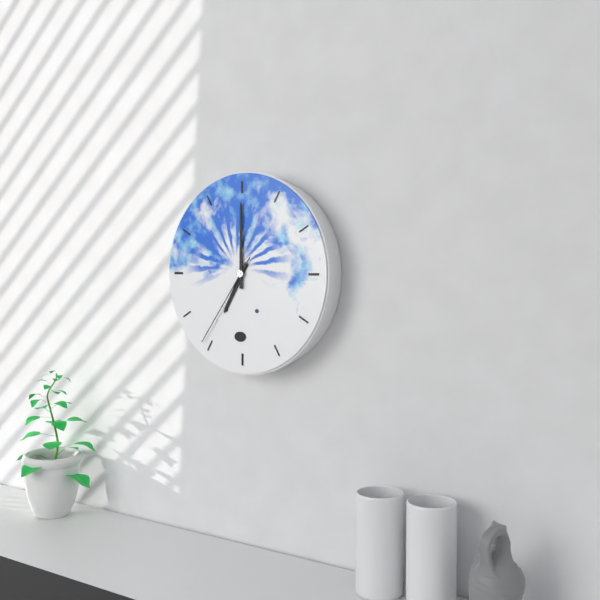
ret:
7,00,36
